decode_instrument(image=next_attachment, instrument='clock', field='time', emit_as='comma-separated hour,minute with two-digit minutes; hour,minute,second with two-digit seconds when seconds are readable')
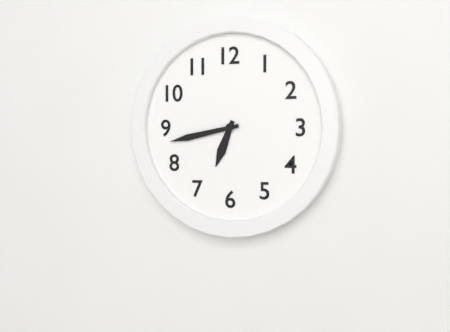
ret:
6,43
